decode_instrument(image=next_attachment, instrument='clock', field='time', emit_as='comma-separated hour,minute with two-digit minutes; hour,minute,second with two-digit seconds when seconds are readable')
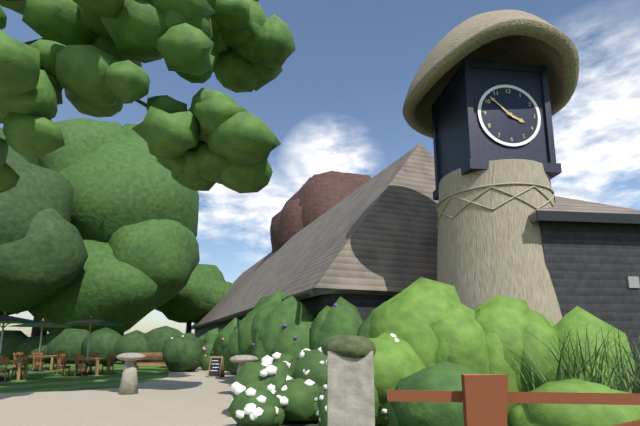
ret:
3,52
